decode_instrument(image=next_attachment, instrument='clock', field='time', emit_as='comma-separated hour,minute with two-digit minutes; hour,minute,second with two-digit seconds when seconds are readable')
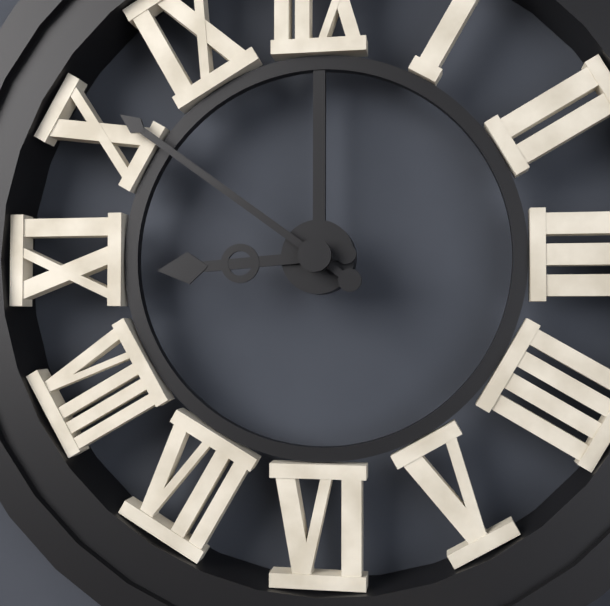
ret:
8,51
